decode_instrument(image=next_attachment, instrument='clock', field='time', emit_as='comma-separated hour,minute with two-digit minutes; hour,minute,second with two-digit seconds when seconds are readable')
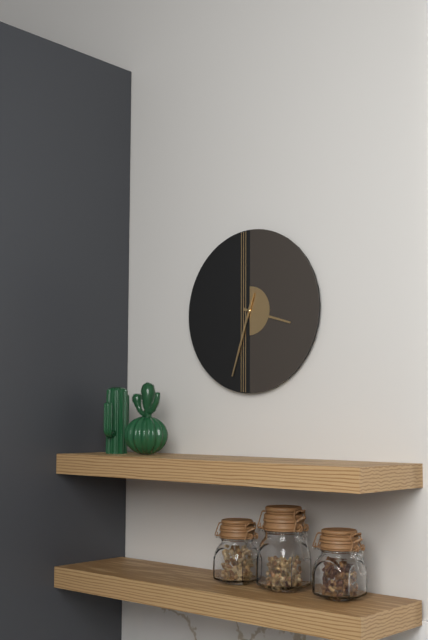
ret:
3,33
